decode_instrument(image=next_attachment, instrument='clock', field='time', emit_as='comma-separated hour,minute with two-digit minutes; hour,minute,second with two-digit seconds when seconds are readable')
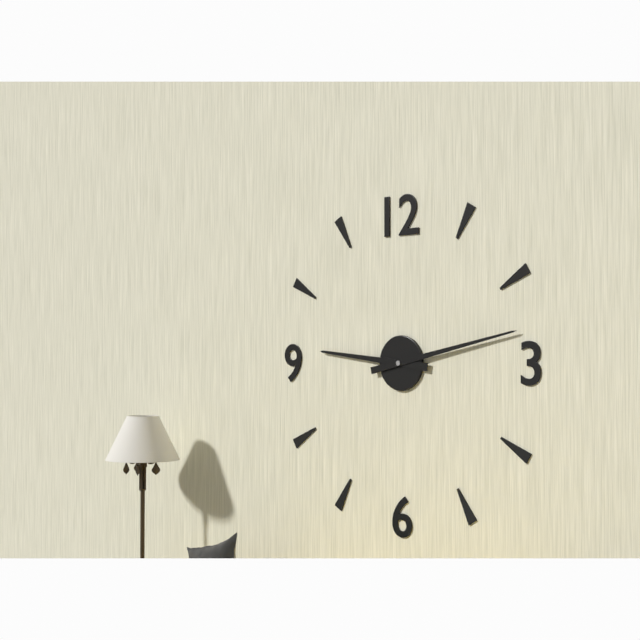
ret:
9,13
